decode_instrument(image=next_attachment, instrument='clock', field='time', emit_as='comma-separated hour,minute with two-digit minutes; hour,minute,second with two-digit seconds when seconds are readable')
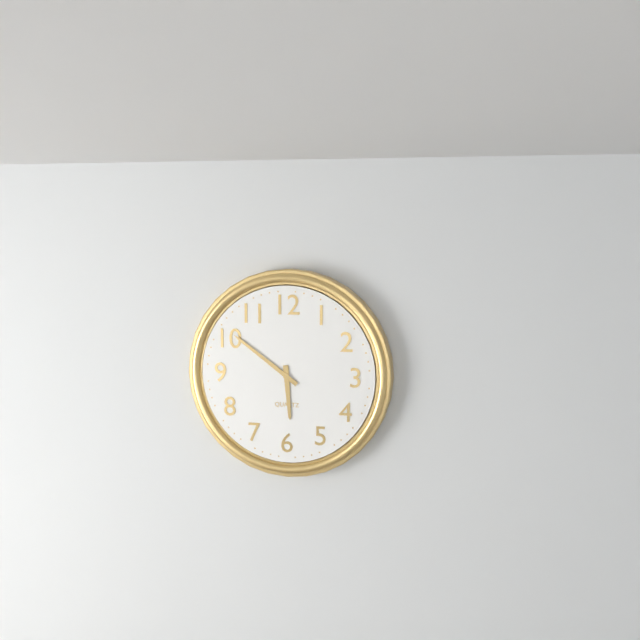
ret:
5,51
